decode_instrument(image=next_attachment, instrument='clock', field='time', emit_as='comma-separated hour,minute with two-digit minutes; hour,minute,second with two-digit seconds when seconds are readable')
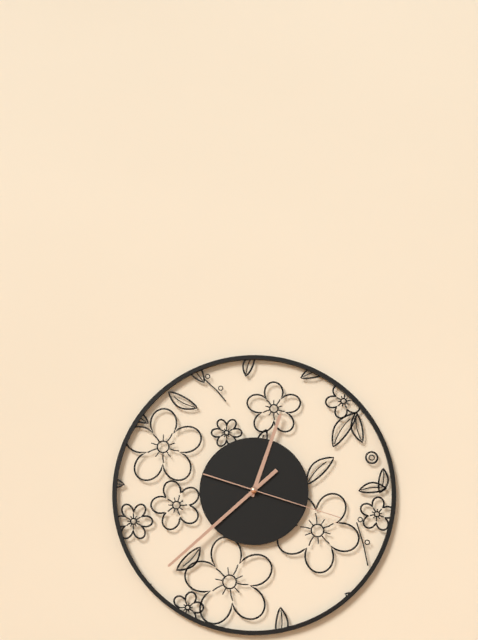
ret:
12,38,18
